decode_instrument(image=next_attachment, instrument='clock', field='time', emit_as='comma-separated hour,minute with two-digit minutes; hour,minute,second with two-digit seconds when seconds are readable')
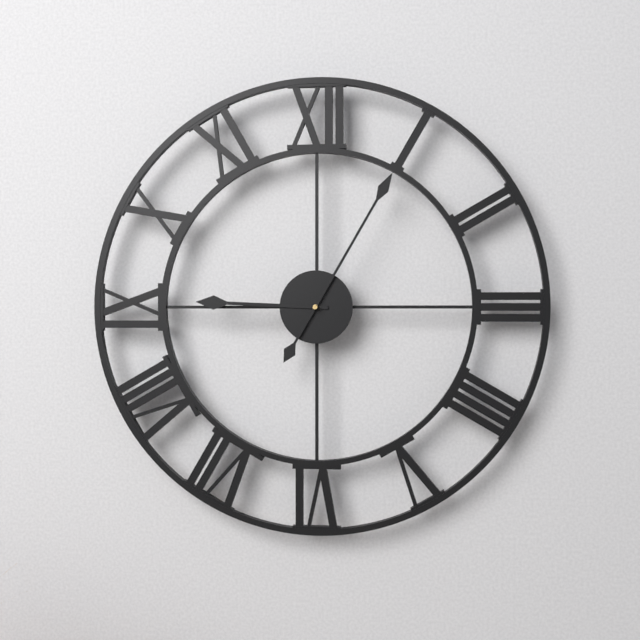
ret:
9,05
